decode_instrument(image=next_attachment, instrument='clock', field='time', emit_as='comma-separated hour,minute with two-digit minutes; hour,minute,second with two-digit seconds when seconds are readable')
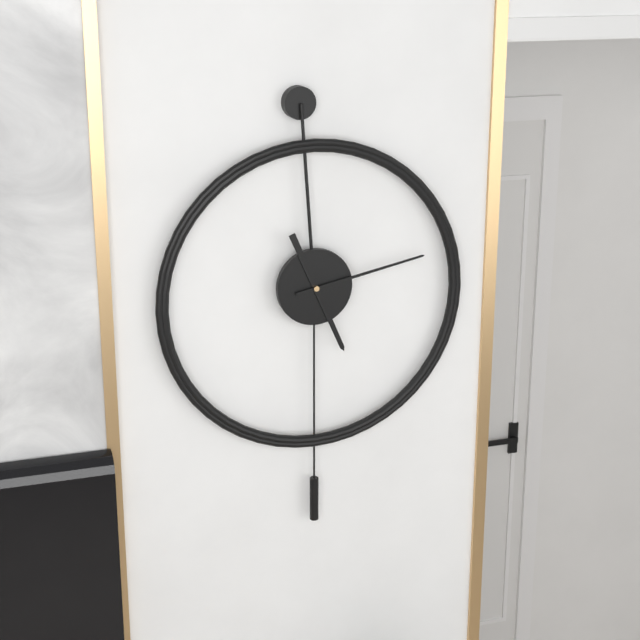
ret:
5,13
